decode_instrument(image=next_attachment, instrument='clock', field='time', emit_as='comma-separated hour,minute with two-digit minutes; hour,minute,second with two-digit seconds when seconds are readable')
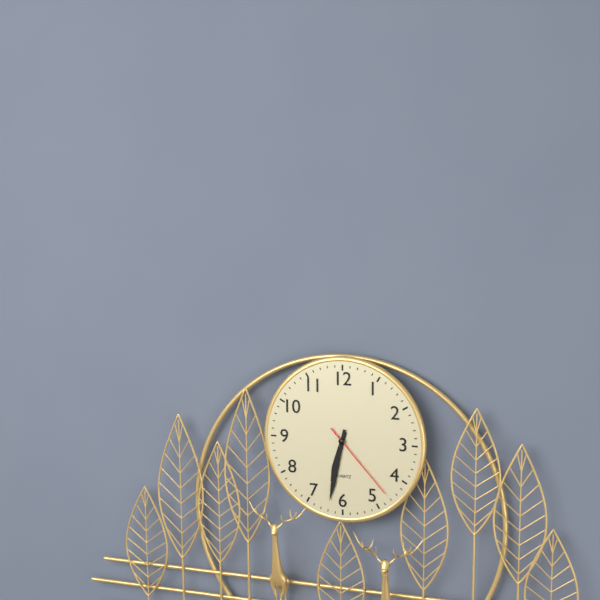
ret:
6,32,23
